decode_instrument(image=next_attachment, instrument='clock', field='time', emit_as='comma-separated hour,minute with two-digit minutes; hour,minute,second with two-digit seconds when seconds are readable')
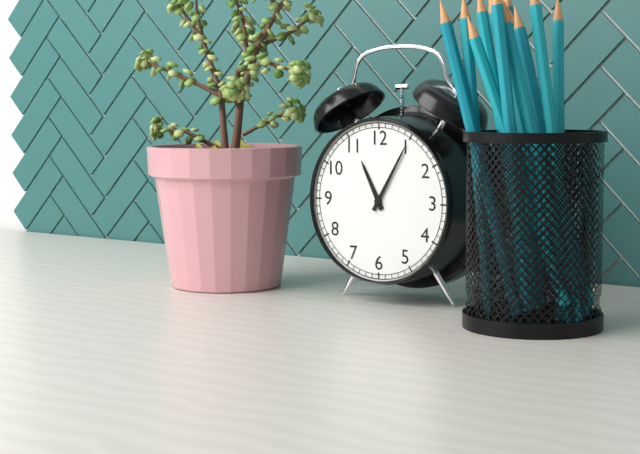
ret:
11,05
